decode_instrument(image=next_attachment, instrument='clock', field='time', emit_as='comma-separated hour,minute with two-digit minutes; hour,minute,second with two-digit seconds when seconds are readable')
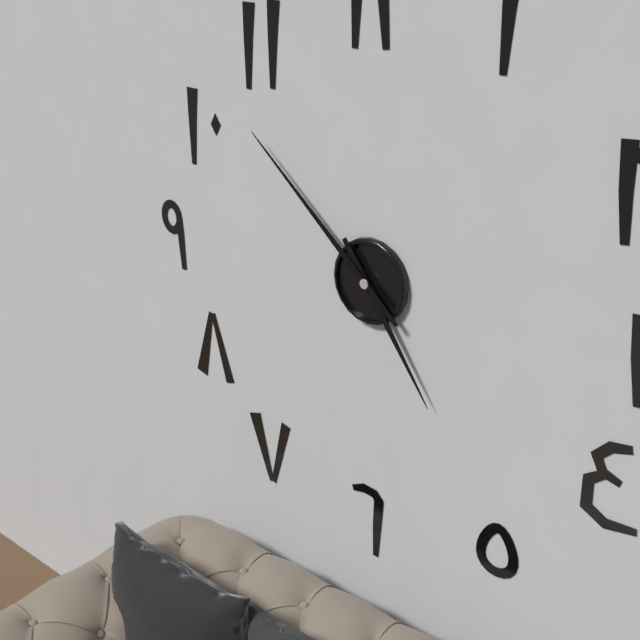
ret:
4,52
